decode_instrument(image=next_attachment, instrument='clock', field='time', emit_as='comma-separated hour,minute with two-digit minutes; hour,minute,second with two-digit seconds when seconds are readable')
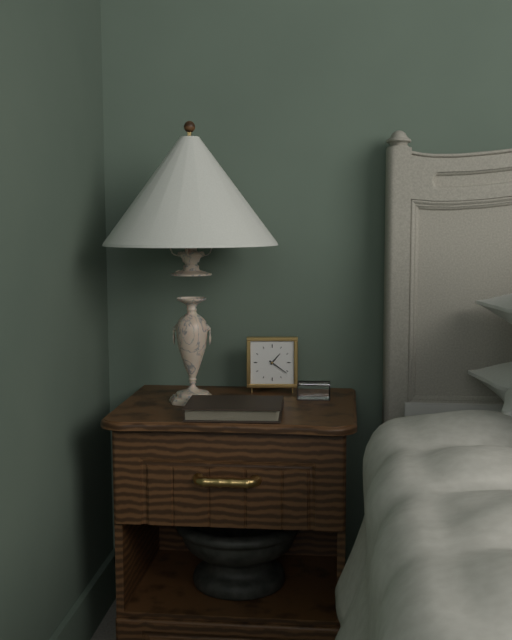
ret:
1,21
